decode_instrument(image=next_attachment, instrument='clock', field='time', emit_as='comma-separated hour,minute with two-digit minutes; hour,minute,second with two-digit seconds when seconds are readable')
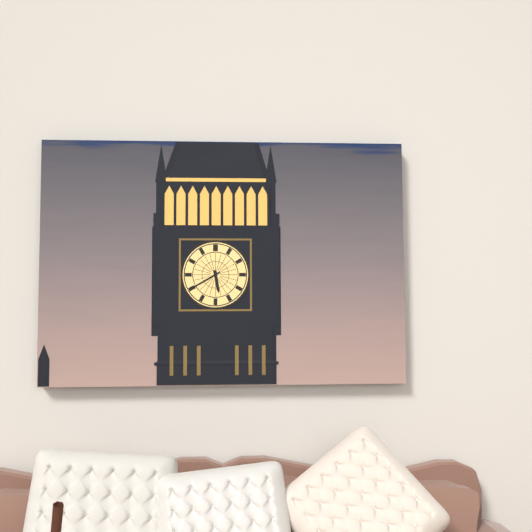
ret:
5,40
